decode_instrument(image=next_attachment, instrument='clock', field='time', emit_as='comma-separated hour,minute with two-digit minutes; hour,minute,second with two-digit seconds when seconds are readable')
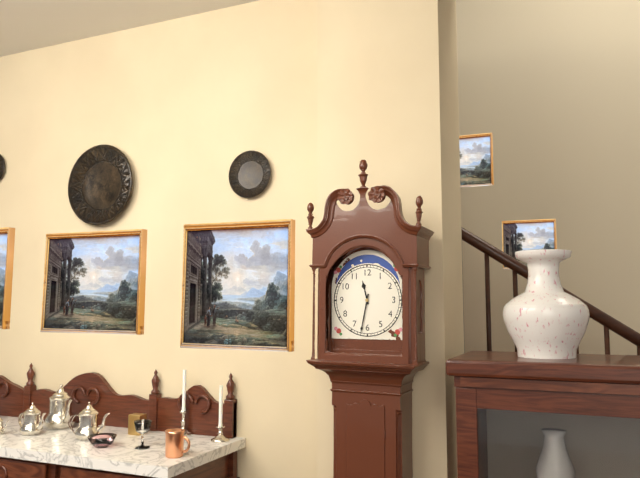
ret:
11,32
